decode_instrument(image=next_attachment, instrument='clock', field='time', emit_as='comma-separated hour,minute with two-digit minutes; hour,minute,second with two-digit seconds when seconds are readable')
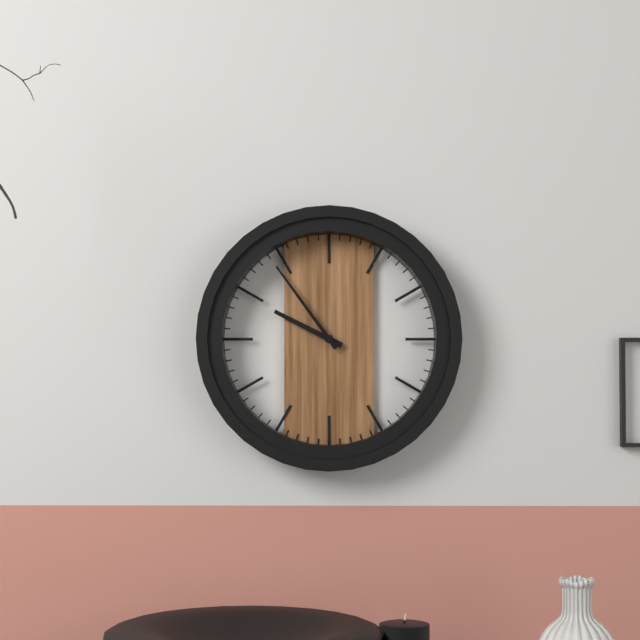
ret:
9,54
